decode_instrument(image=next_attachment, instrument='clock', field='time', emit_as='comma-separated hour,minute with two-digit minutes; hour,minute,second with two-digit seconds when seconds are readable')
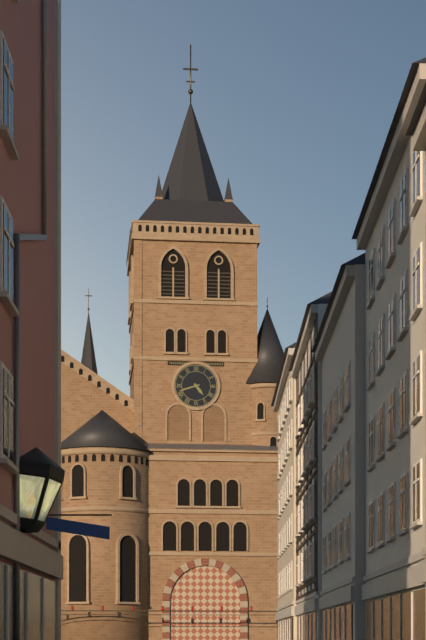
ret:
4,42
